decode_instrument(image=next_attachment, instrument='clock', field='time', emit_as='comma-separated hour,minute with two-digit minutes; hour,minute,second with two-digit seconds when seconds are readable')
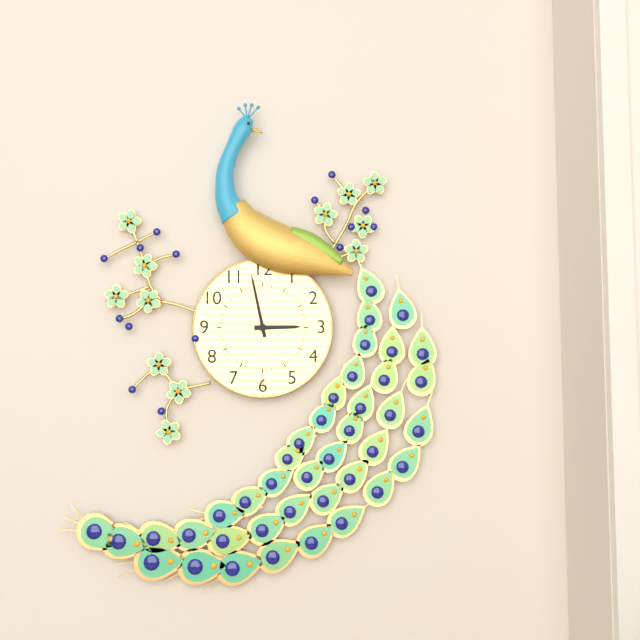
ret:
2,58
